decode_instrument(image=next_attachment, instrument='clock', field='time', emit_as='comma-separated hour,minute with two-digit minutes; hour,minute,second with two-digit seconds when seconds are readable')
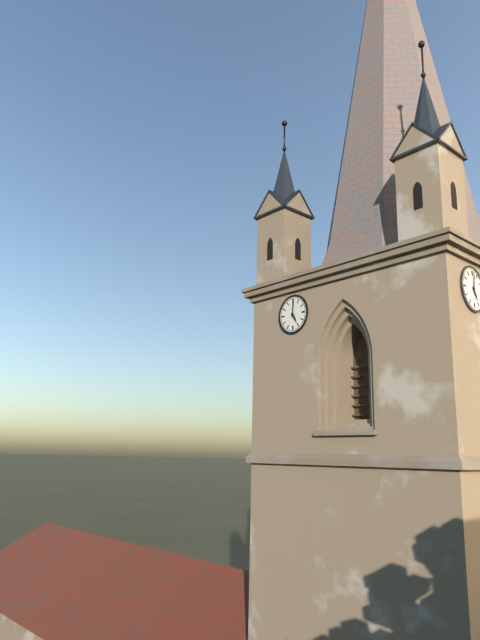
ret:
5,01
